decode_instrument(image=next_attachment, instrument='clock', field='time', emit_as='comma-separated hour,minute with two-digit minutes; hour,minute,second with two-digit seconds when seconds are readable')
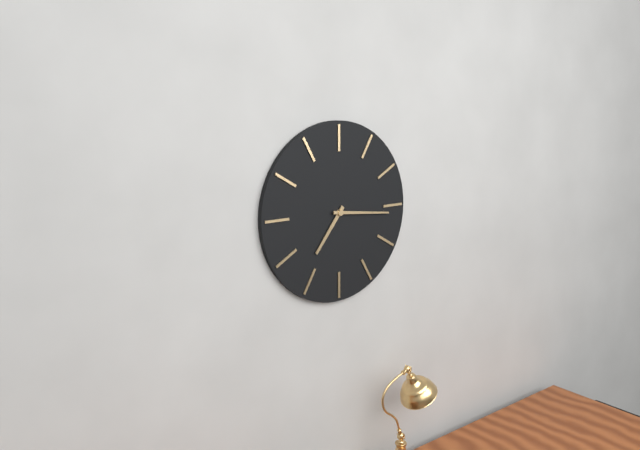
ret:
7,16
